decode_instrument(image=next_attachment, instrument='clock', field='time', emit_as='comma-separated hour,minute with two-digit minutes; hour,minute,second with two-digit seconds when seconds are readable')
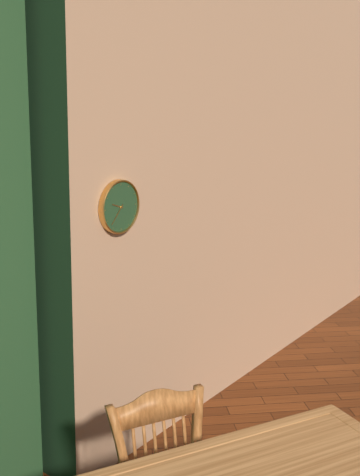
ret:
9,37
